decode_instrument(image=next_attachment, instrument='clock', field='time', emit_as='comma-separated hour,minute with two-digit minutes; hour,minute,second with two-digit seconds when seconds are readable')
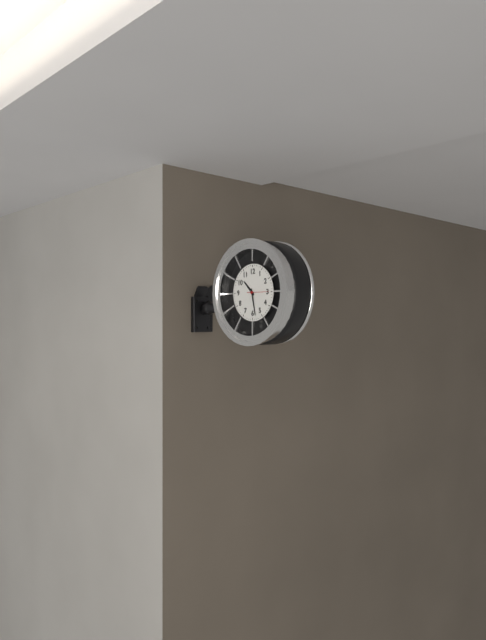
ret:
10,28
